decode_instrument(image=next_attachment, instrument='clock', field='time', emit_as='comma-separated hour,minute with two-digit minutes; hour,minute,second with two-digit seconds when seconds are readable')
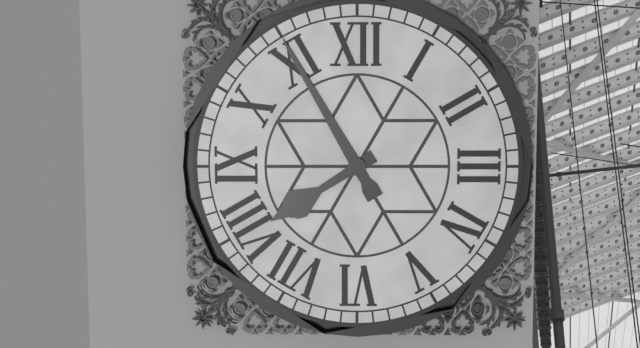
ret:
7,55
